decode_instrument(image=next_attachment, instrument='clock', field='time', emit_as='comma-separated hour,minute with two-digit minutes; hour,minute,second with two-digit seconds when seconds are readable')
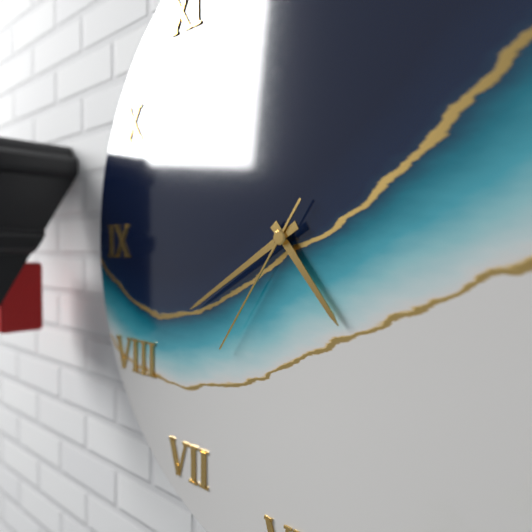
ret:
4,40,36
